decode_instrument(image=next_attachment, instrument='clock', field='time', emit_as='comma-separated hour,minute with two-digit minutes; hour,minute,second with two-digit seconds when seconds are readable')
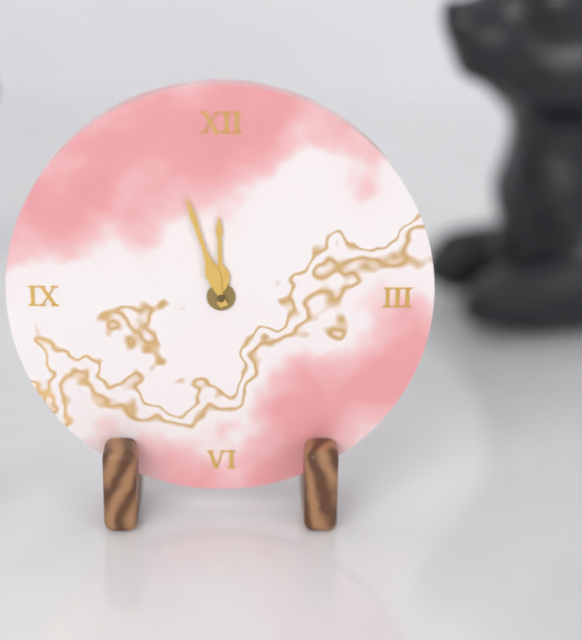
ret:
11,57
